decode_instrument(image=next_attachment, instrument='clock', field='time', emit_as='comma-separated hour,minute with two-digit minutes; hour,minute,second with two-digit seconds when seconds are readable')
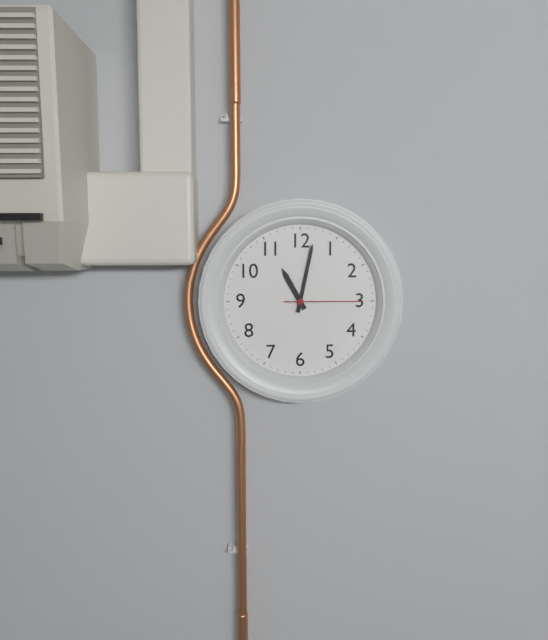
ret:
11,02,15
